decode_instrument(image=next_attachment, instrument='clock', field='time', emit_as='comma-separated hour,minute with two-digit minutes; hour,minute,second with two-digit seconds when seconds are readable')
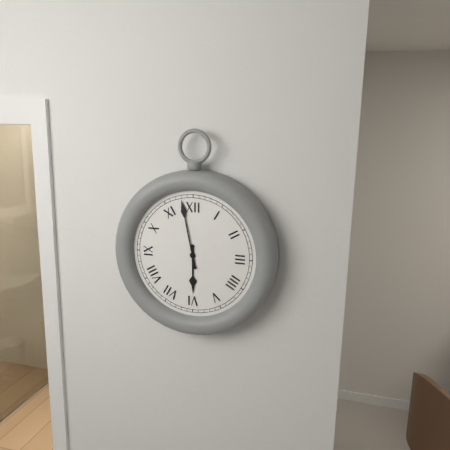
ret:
5,58
